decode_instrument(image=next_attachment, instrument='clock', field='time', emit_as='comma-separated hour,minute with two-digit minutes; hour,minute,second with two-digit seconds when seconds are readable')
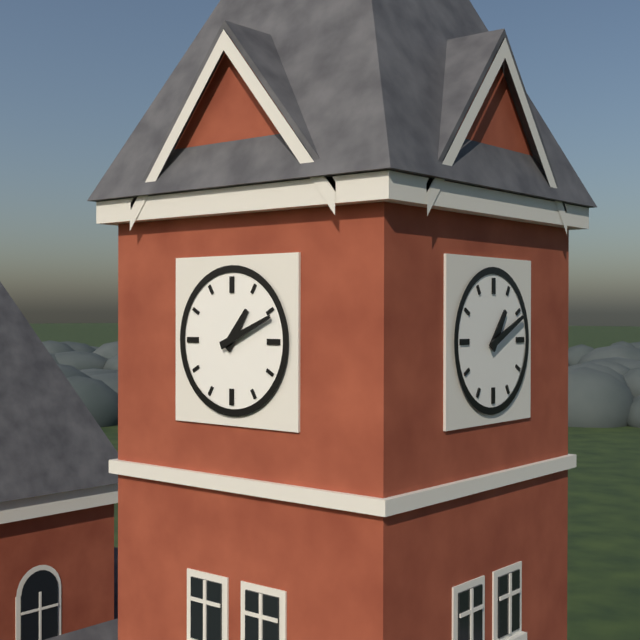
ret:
1,11
